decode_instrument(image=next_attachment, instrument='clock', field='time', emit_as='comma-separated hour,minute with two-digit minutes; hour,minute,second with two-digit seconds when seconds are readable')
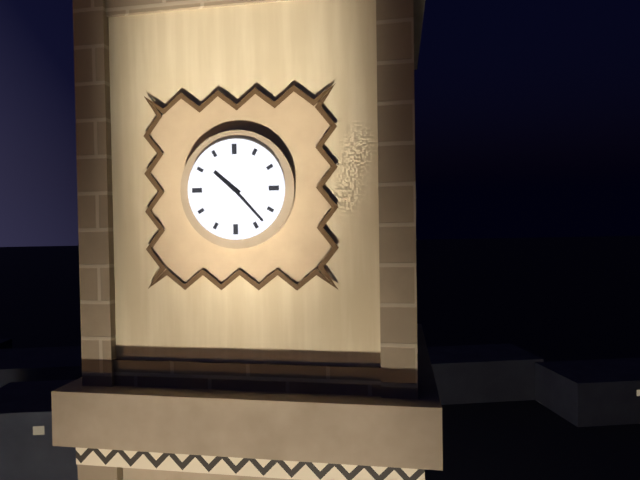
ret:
10,23
